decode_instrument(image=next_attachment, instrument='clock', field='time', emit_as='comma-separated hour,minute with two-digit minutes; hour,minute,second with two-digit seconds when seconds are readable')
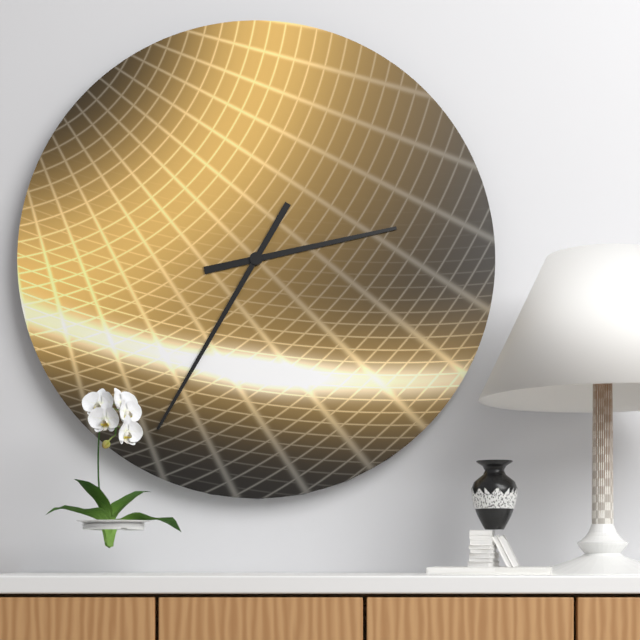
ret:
2,35
